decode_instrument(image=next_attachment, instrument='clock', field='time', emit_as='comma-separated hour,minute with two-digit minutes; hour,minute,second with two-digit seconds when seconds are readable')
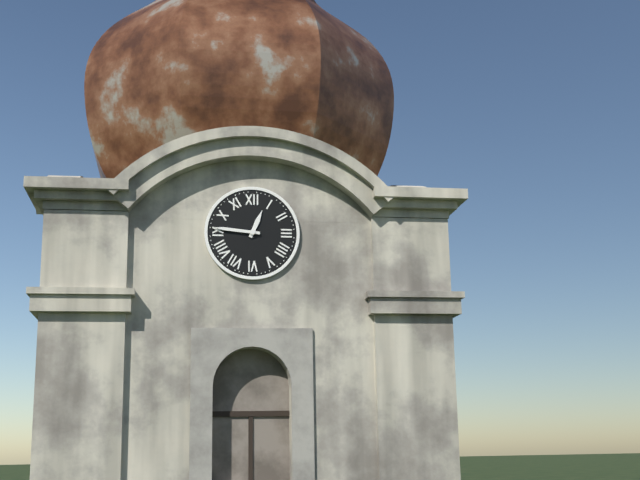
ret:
12,46
